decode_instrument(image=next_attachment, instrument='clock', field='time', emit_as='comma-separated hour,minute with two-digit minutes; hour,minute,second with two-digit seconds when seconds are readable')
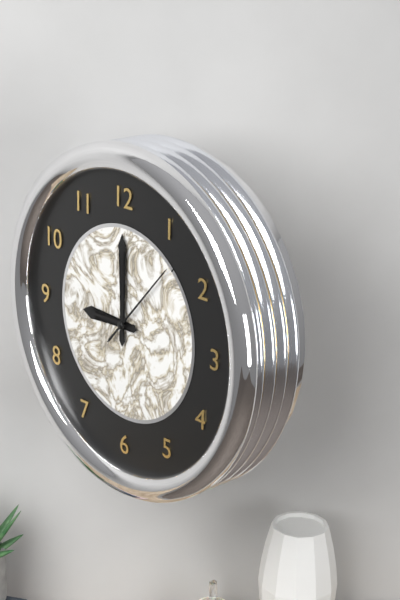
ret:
9,00,07
